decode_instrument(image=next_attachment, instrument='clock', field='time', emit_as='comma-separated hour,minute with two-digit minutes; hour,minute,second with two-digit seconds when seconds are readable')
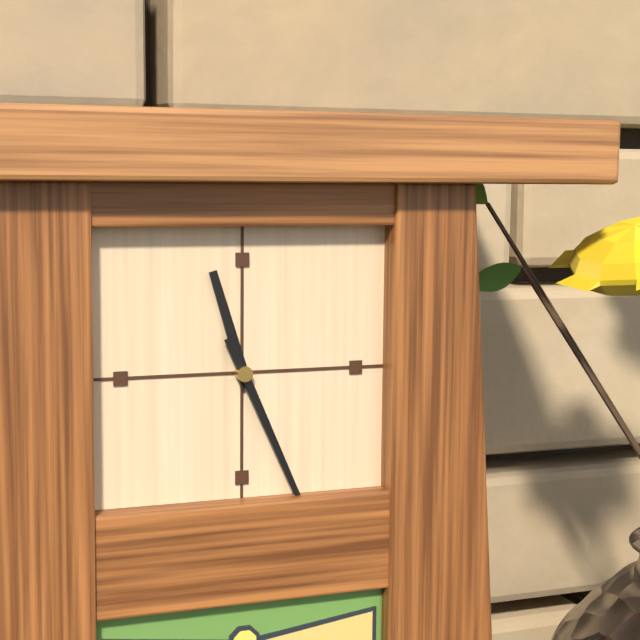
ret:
11,26
